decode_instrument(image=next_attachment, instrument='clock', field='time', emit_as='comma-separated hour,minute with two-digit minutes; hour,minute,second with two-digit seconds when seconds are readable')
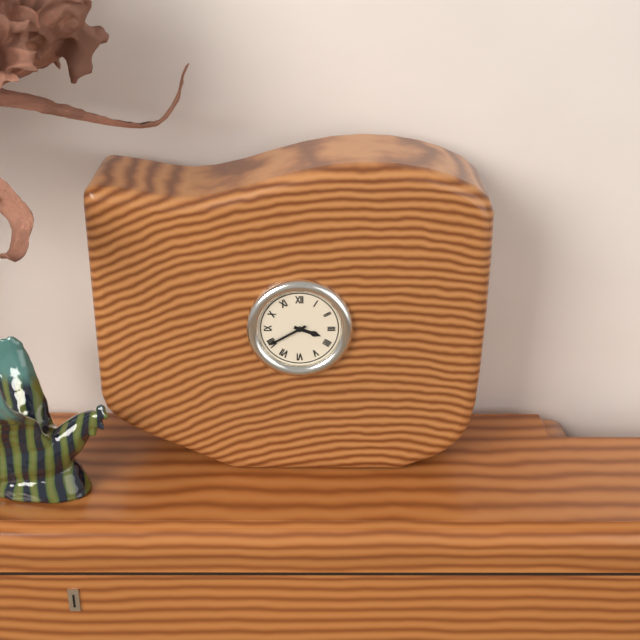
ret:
3,40
